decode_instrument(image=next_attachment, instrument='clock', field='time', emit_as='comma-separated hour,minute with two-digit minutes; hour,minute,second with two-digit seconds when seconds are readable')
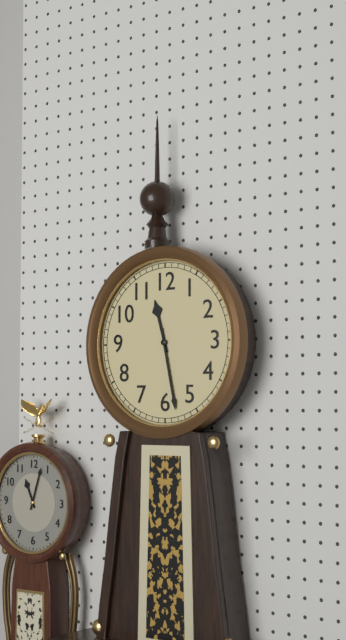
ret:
11,28
